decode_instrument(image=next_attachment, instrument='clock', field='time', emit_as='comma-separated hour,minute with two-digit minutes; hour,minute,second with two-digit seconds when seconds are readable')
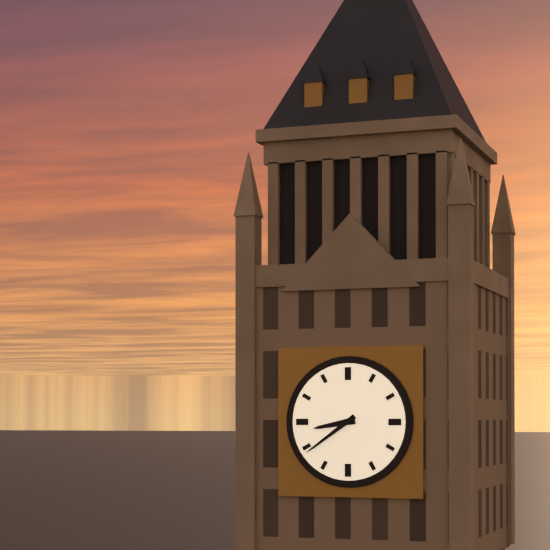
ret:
8,39
